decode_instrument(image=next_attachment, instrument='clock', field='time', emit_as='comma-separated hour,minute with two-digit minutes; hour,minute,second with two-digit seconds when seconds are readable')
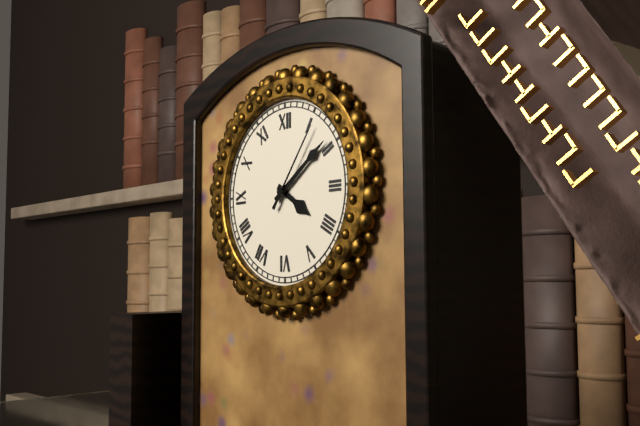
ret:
4,09,06
